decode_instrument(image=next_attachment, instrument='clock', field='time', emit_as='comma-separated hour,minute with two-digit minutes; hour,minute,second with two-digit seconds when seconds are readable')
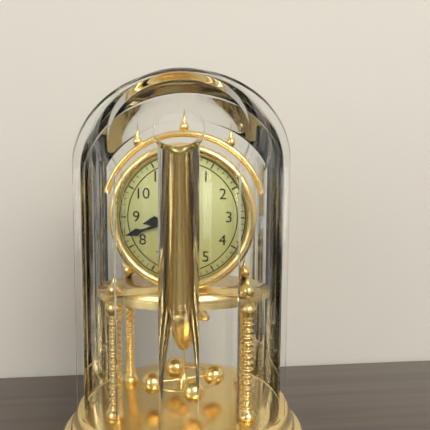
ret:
8,42
